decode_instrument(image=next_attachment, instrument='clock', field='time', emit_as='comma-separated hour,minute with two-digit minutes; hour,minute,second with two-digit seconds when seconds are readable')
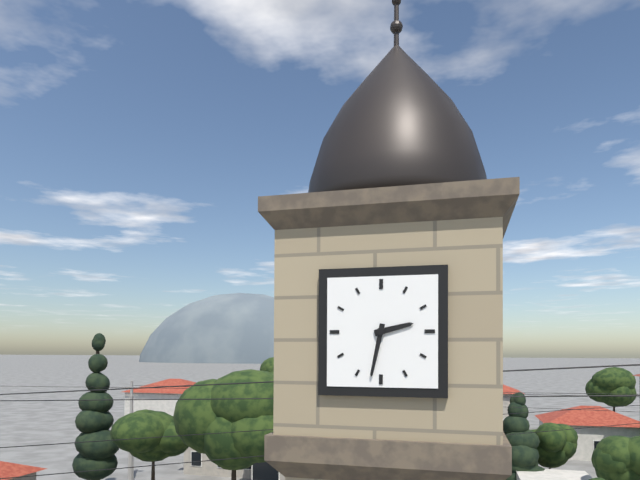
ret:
2,32
